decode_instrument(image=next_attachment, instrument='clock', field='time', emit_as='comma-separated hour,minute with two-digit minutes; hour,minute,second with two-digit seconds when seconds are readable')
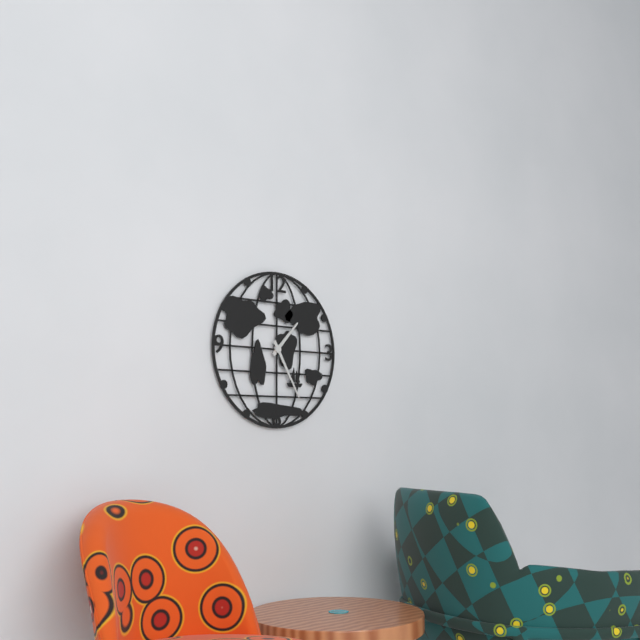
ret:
1,25
